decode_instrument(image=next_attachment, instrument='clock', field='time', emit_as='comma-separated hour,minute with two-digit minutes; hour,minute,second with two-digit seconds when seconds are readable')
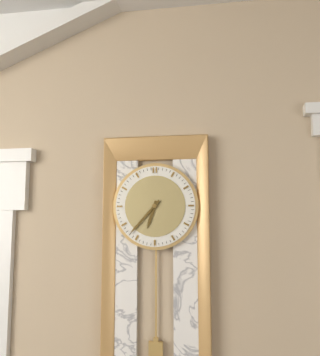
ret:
6,37
